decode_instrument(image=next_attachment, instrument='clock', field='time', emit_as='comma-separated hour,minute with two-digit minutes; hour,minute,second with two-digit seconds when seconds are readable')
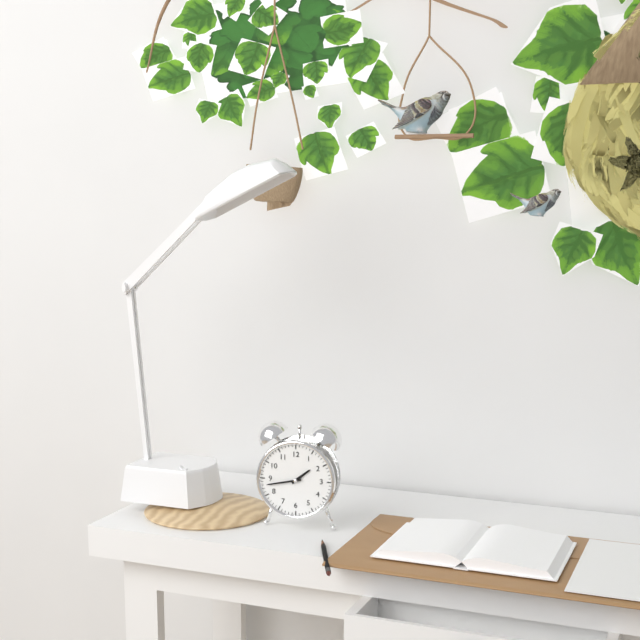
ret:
1,43
